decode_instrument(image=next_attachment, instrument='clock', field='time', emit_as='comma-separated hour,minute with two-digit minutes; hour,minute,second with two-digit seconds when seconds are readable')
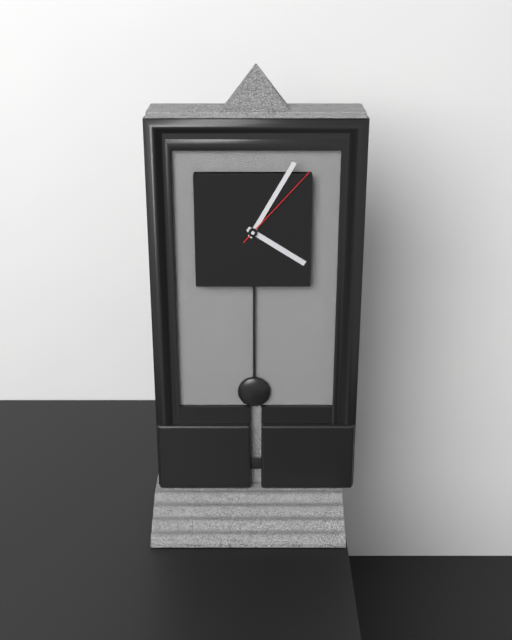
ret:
4,05,07
